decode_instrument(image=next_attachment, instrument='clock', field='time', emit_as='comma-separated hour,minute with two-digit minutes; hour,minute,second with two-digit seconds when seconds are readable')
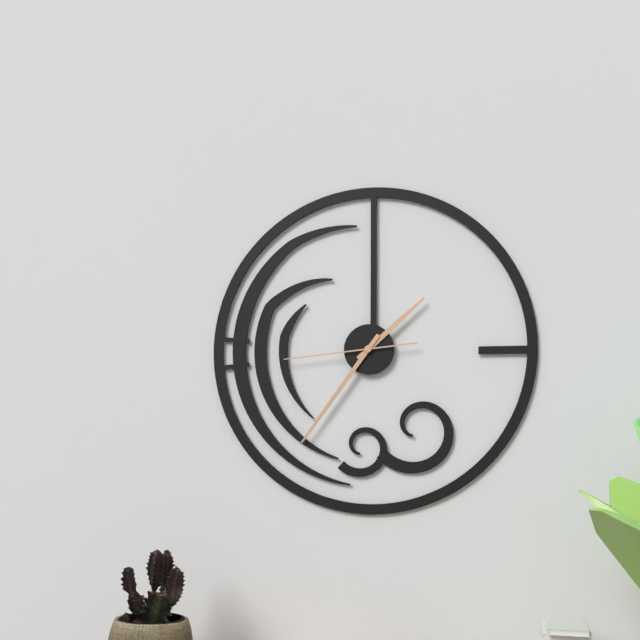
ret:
1,36,44
